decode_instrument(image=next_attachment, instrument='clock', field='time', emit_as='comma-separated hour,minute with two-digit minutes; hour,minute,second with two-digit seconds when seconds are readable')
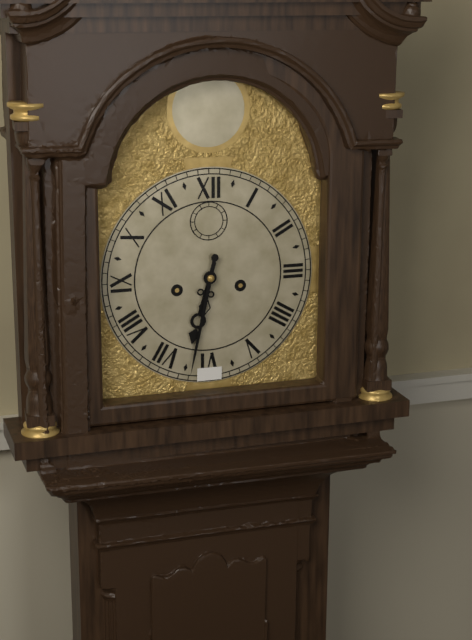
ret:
6,32
